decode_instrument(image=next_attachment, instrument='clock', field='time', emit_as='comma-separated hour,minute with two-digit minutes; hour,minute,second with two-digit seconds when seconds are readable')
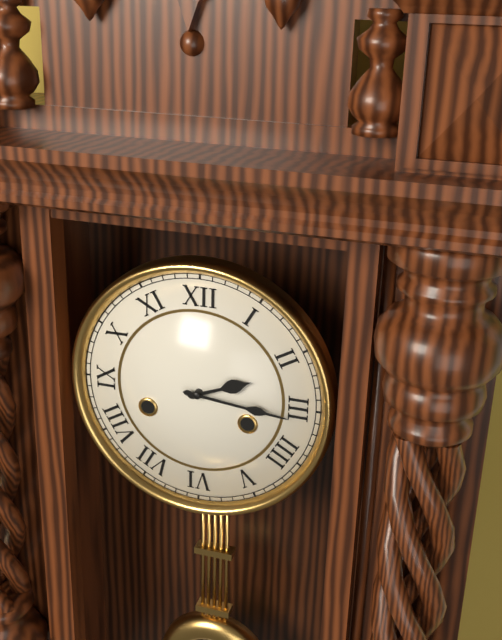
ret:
2,16
